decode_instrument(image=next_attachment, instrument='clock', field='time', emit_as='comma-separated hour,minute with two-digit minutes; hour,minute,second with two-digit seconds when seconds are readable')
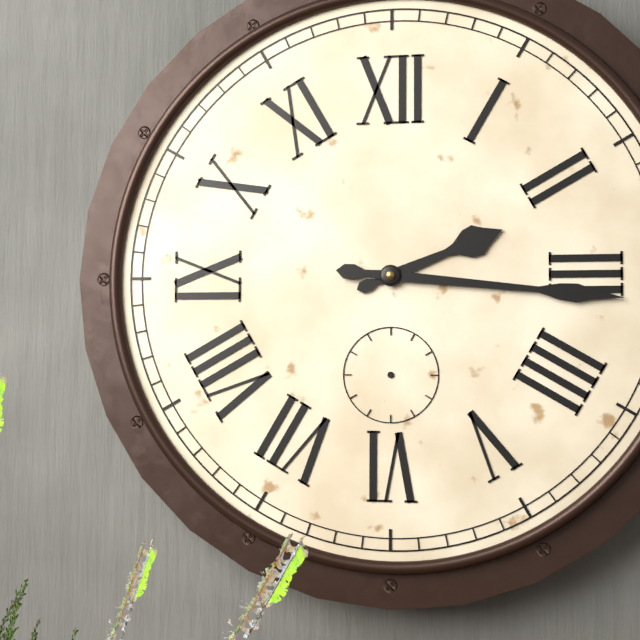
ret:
2,16
